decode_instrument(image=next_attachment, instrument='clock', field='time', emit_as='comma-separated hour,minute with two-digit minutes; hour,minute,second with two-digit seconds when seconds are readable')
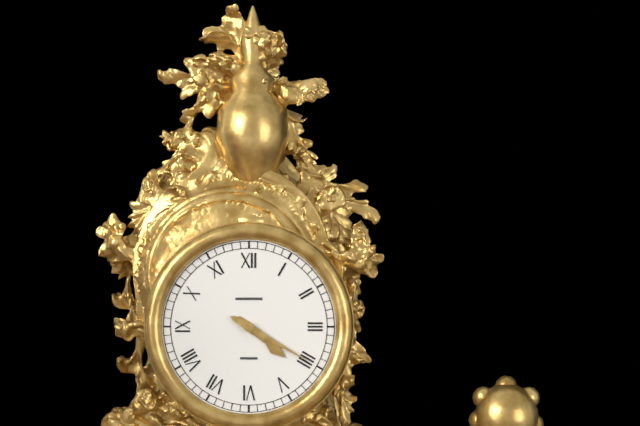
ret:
4,20
